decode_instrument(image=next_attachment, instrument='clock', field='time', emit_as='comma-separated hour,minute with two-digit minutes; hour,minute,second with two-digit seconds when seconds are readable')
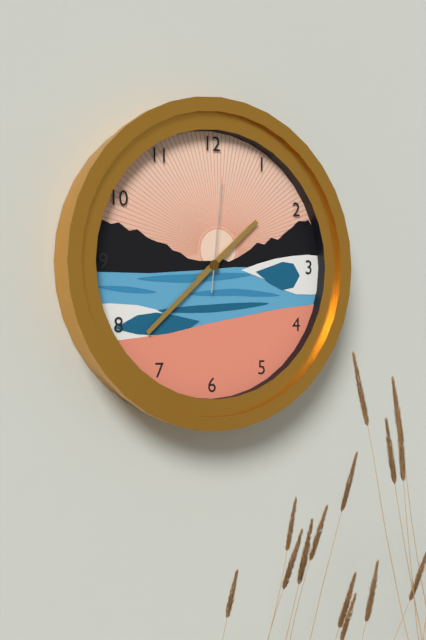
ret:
1,38,01
